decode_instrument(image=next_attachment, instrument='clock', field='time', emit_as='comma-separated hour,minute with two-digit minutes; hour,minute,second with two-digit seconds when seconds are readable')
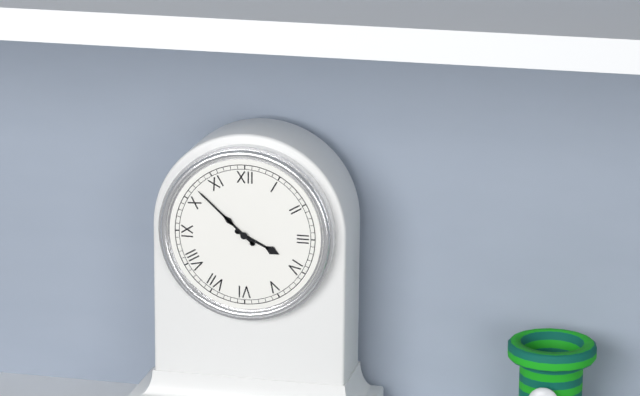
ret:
3,52
